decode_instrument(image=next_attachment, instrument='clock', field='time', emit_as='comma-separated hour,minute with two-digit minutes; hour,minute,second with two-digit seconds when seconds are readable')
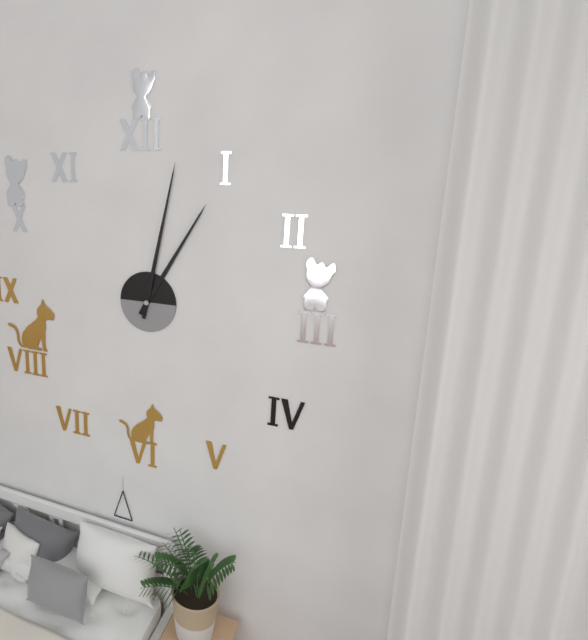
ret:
1,02
